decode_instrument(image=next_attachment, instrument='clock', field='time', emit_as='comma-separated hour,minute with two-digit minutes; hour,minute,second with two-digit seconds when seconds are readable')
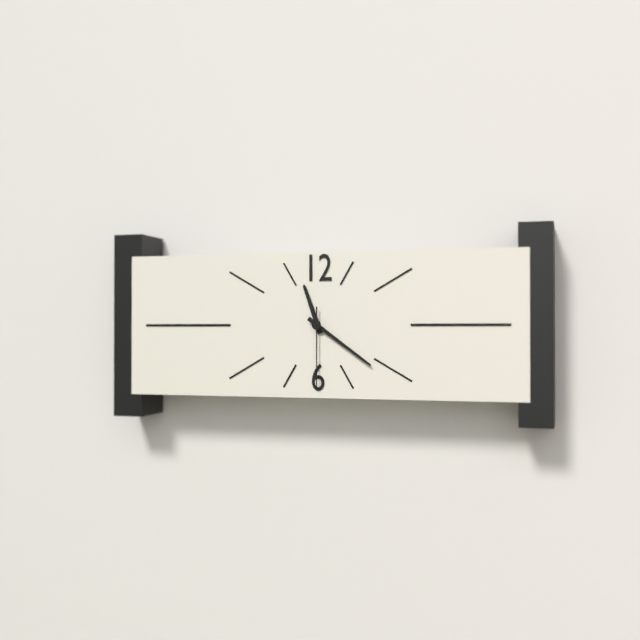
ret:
11,21,30
